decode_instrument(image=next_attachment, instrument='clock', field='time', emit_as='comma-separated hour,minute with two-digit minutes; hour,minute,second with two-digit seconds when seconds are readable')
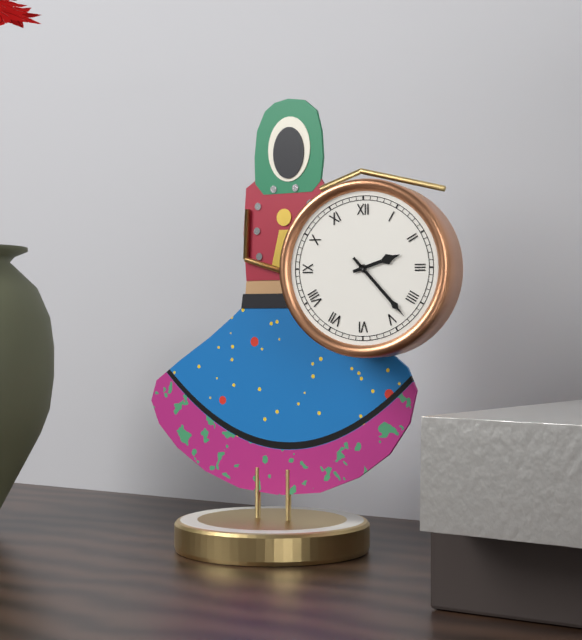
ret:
2,23
